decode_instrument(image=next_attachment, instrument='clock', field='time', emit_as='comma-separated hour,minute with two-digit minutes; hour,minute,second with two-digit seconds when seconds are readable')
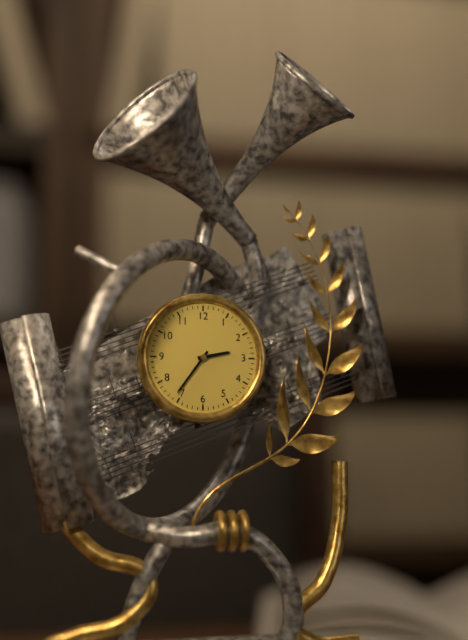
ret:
2,36
